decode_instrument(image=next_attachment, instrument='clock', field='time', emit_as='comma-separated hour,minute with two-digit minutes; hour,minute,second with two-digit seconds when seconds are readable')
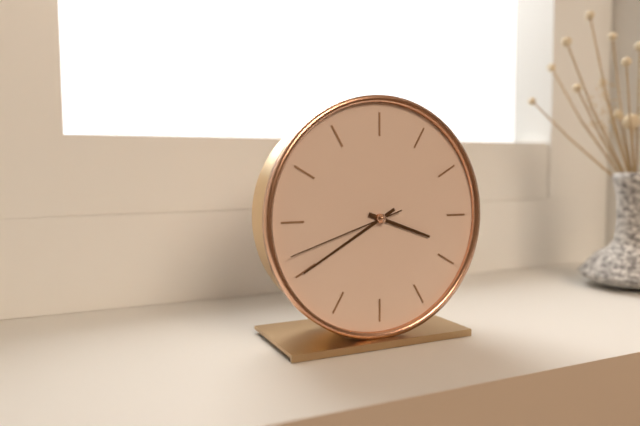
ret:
3,40,42
